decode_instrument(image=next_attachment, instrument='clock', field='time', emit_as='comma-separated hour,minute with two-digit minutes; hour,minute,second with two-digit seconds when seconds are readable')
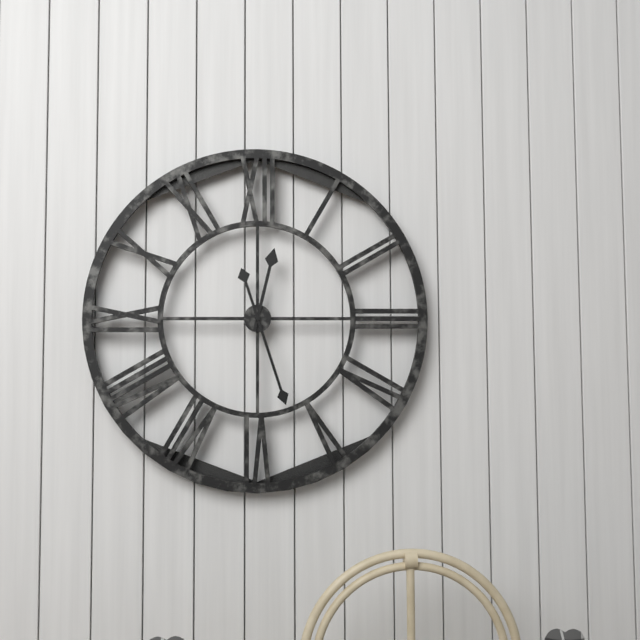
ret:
12,27
